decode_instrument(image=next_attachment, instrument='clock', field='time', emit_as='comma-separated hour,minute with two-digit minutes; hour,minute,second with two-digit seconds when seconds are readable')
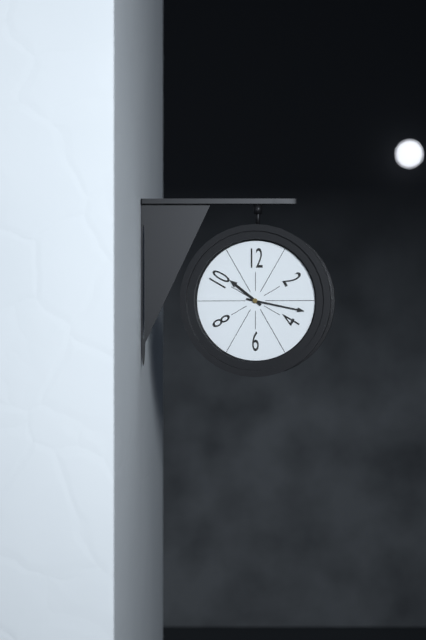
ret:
10,17
